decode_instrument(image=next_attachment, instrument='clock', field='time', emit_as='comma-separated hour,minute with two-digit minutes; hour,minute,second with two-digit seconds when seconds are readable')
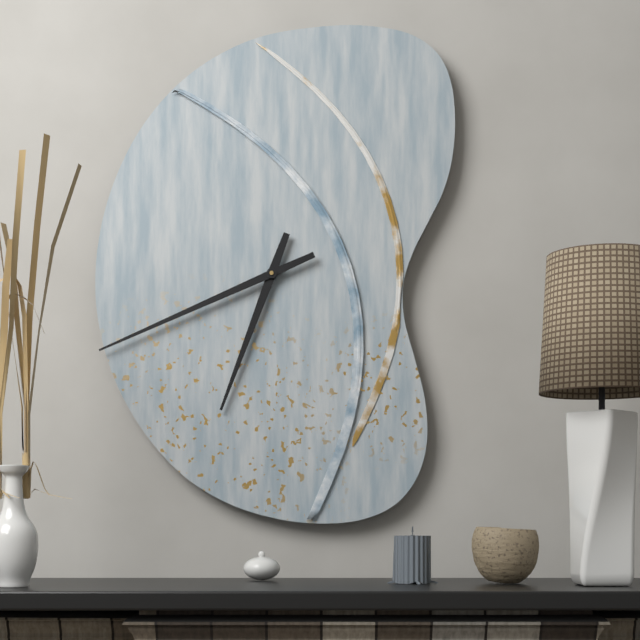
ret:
6,41
